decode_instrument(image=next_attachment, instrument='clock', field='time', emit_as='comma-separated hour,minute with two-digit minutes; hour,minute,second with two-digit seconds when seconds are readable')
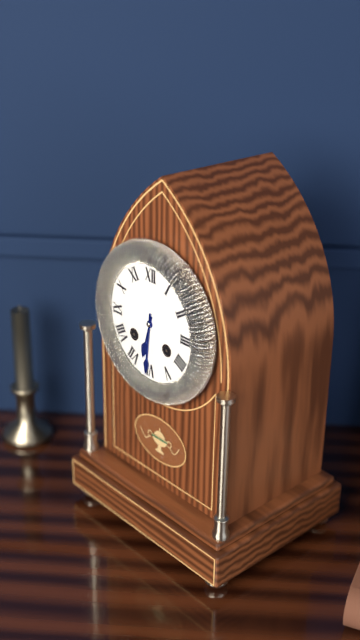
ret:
6,31
